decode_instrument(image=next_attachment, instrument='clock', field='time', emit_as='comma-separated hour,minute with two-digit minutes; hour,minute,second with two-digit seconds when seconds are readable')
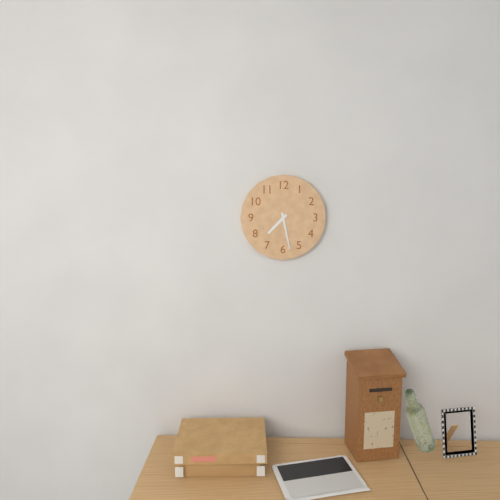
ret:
7,28
